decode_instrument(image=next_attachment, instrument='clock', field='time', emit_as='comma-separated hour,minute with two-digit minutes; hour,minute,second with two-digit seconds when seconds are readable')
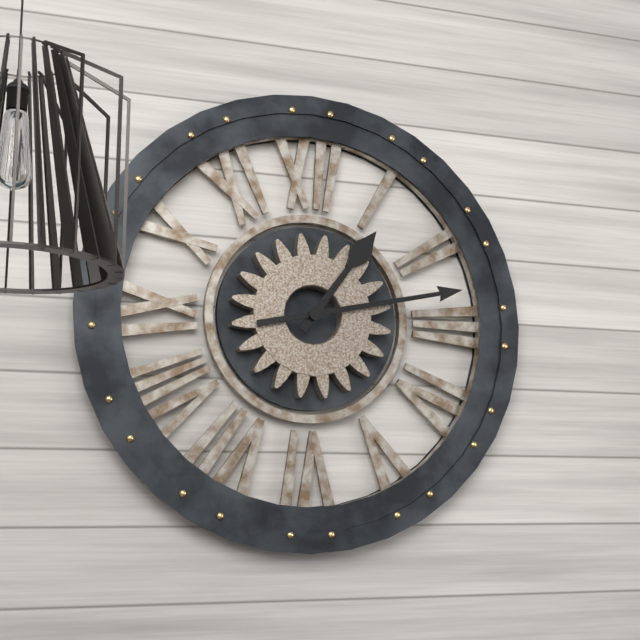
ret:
1,13
